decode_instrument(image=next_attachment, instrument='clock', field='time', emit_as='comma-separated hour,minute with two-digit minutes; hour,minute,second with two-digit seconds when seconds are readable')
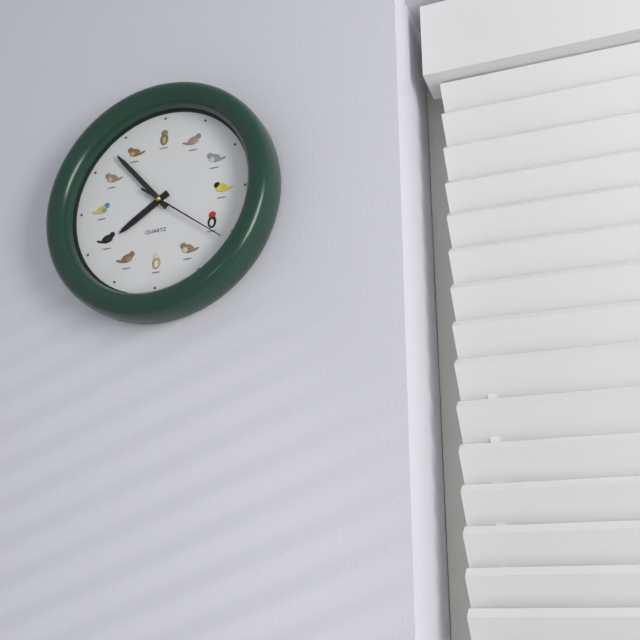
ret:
7,53,21
